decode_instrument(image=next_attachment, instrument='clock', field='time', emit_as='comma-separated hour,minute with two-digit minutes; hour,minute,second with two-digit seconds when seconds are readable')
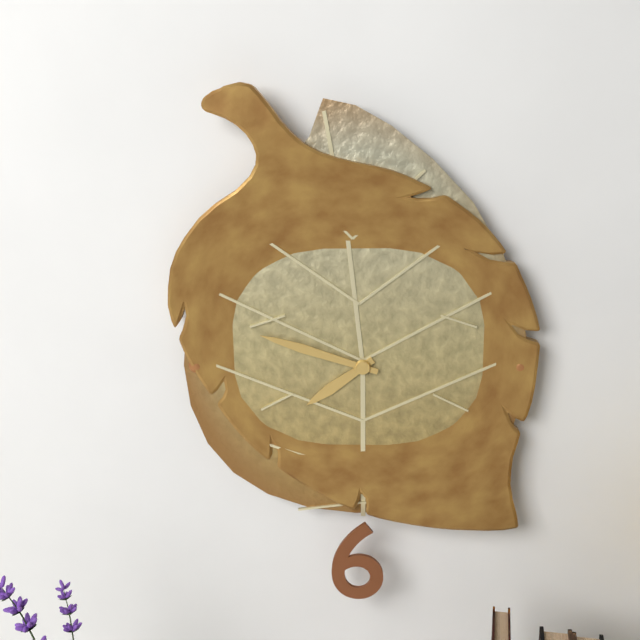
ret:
7,48
